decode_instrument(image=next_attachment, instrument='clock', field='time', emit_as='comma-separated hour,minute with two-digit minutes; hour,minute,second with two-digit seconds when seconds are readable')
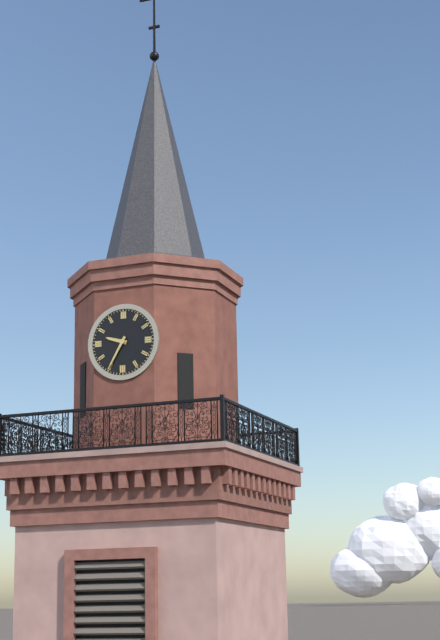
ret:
9,35
